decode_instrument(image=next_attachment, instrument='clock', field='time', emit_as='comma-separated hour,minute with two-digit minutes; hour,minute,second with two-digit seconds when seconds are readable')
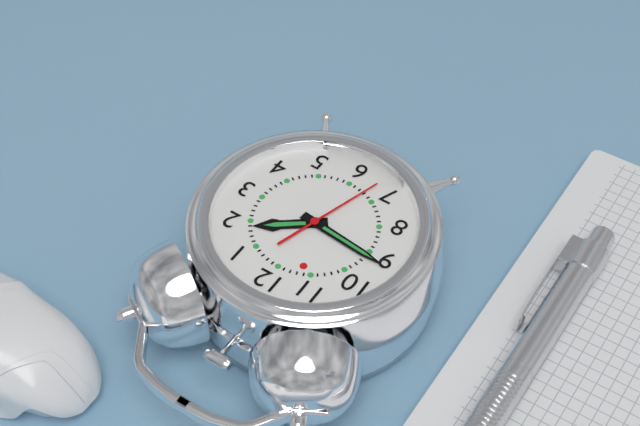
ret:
1,46,33
